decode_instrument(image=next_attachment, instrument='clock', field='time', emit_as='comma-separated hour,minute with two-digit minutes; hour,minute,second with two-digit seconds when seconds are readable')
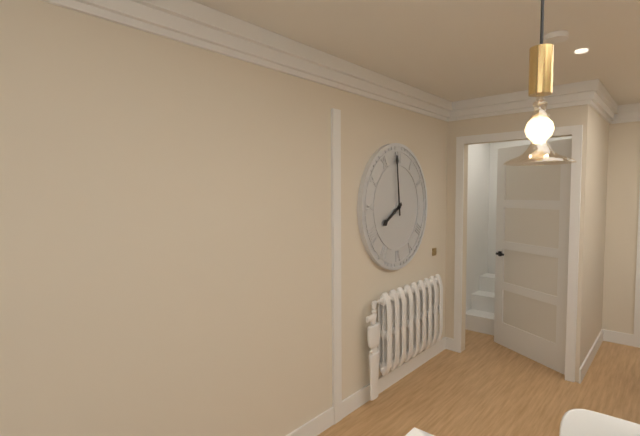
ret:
7,59
